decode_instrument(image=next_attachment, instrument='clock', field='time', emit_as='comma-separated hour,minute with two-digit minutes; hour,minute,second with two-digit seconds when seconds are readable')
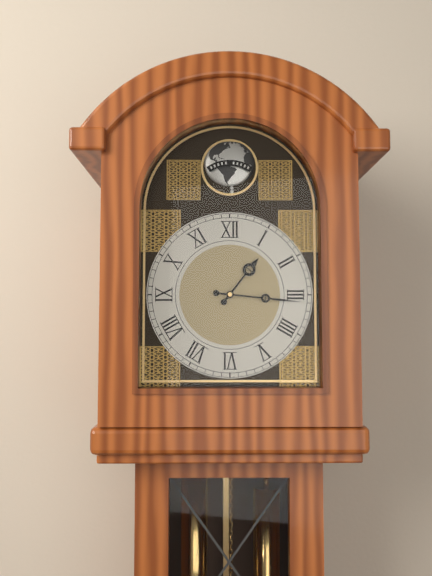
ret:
1,16
